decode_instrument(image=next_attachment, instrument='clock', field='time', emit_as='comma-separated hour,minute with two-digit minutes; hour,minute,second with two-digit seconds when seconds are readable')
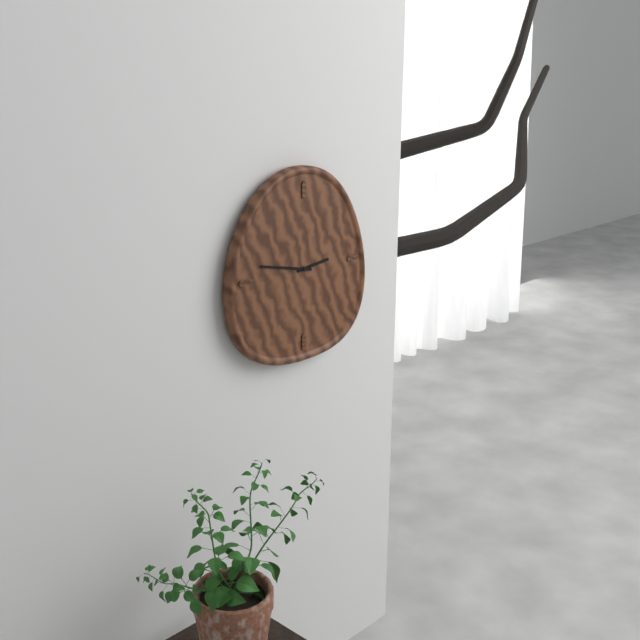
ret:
2,47
